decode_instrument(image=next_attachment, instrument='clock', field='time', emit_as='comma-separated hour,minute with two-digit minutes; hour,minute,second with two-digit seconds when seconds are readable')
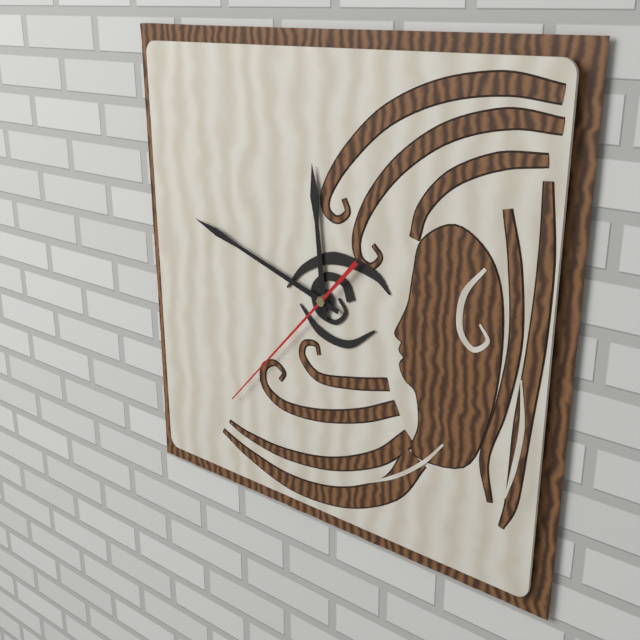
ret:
11,48,37
